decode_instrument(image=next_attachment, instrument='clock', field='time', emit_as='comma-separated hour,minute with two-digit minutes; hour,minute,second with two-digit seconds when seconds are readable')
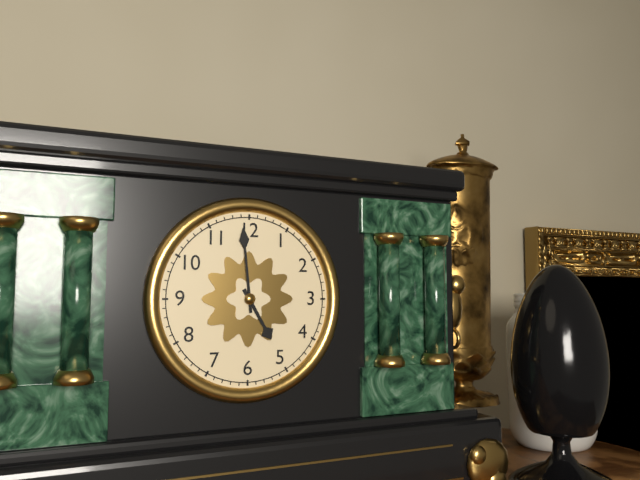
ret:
4,59
